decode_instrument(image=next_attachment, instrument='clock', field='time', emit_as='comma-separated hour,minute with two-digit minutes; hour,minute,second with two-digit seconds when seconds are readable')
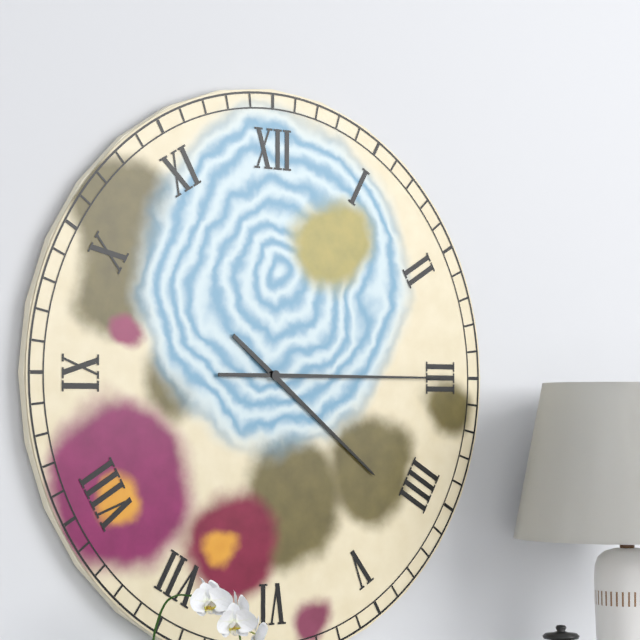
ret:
4,15
